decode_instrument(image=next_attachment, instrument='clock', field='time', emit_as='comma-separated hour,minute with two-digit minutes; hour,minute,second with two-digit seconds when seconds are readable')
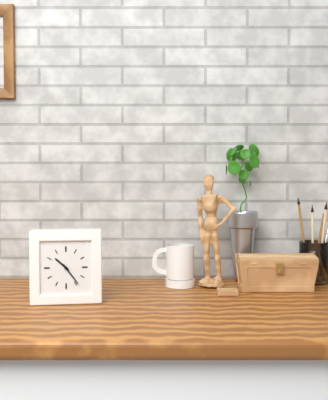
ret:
10,24
